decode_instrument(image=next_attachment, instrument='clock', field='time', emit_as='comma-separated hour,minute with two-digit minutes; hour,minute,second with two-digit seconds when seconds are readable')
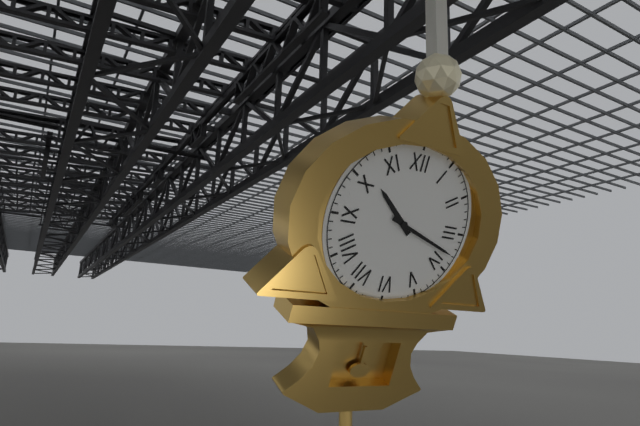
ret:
10,18
